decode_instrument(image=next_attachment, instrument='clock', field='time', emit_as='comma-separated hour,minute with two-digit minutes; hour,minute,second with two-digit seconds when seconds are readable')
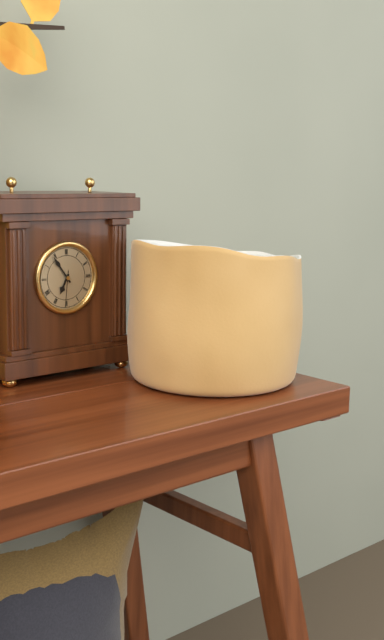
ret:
6,54
